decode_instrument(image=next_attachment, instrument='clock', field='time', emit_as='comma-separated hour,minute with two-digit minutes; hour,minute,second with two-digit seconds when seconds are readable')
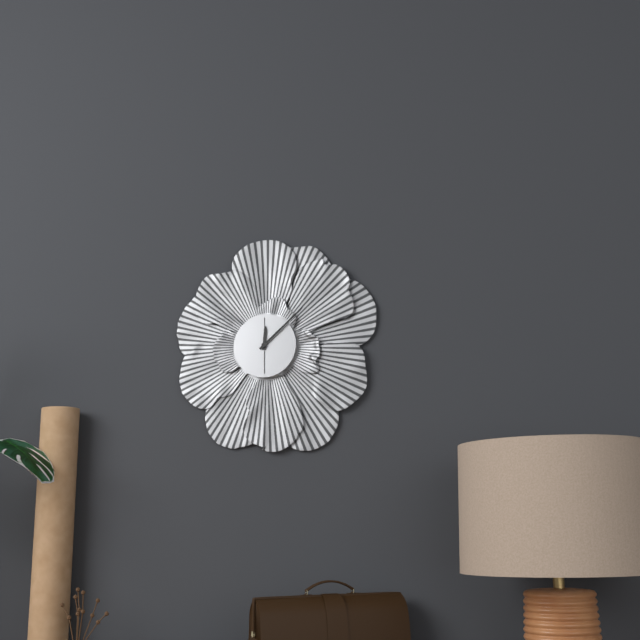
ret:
12,08
